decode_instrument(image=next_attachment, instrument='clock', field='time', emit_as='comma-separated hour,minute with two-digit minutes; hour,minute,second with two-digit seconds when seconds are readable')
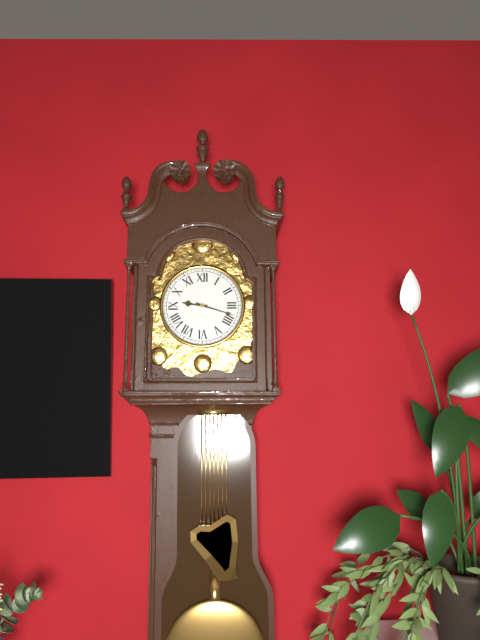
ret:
9,18
